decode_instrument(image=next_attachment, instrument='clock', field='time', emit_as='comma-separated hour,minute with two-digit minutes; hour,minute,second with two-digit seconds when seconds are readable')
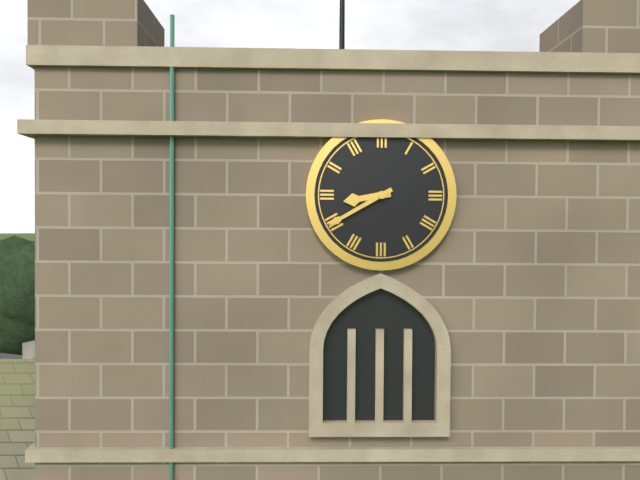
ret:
8,40
